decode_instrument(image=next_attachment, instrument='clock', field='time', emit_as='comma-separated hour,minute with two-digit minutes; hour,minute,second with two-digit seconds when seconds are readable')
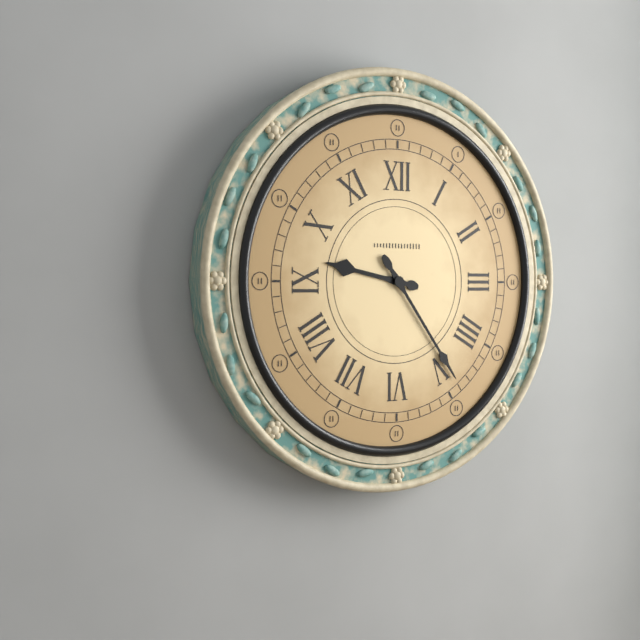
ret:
9,24
